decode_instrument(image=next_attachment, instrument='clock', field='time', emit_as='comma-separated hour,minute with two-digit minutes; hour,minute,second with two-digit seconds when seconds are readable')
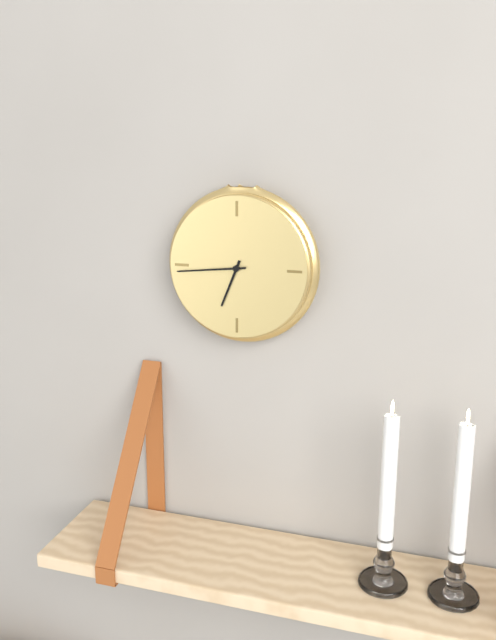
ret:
6,44
